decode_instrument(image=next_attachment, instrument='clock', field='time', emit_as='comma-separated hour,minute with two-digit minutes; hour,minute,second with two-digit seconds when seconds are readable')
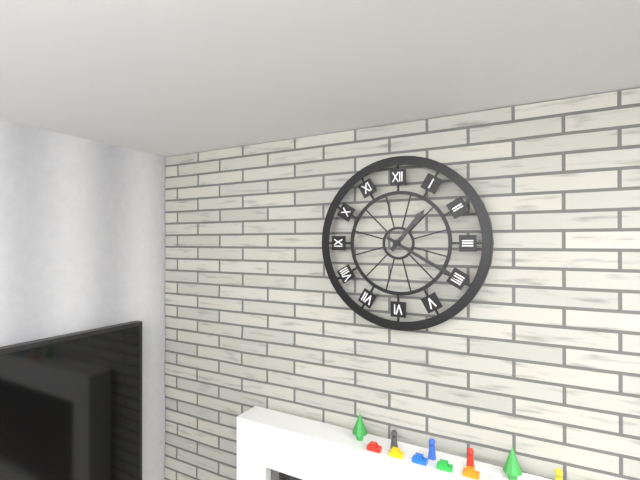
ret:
1,20
